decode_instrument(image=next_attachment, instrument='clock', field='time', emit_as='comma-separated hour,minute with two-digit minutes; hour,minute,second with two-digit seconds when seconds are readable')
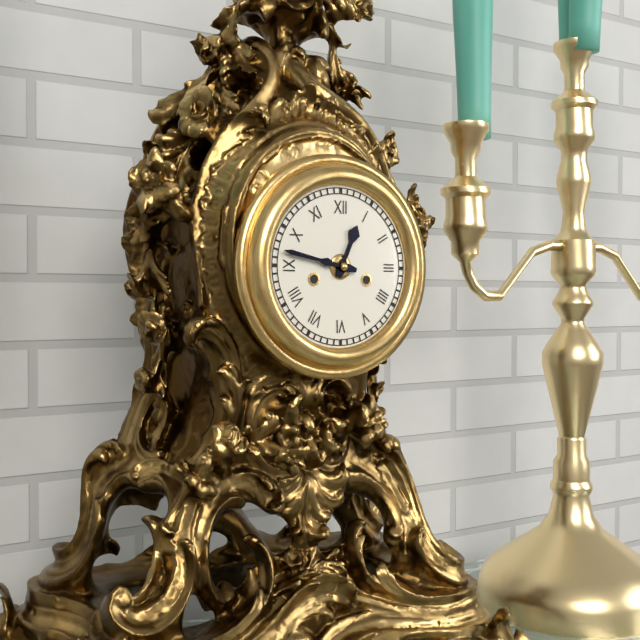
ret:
12,47
